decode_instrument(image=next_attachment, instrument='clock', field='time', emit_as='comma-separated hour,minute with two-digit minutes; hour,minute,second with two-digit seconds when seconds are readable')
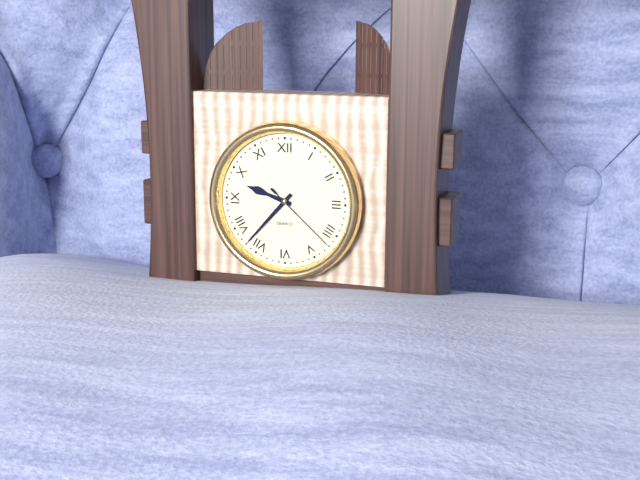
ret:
9,37,22
